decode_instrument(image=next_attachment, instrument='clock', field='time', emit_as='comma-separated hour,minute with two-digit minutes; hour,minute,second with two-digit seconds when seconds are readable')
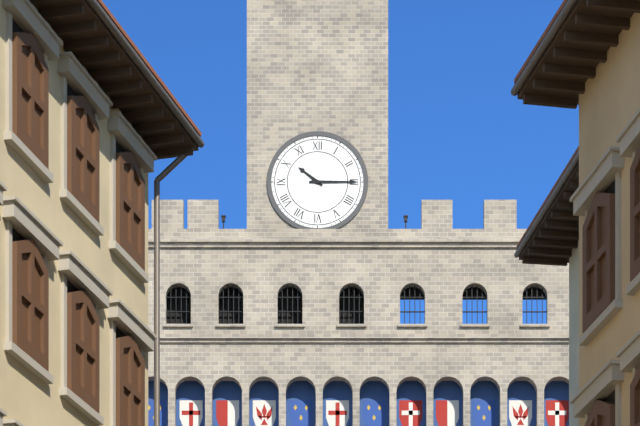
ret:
10,15
